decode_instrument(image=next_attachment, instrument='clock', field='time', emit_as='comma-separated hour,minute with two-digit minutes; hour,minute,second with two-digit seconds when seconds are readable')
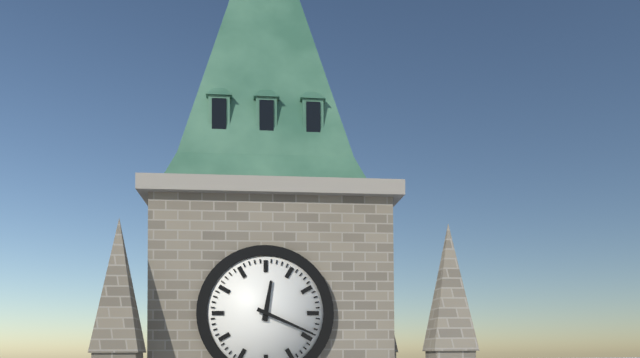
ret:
12,19
